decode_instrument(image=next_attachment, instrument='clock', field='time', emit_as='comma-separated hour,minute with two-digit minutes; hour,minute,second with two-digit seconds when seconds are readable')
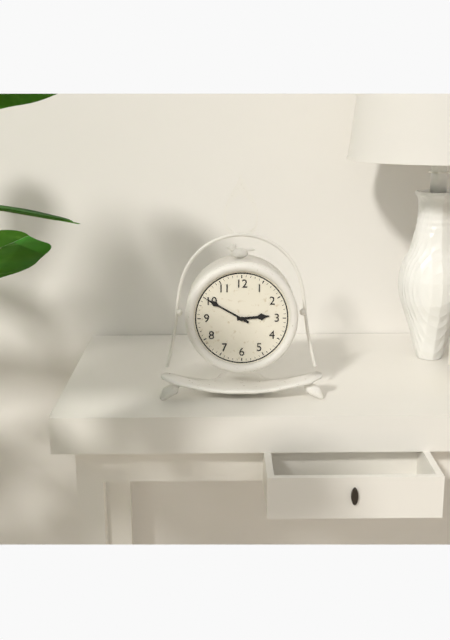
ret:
2,50
